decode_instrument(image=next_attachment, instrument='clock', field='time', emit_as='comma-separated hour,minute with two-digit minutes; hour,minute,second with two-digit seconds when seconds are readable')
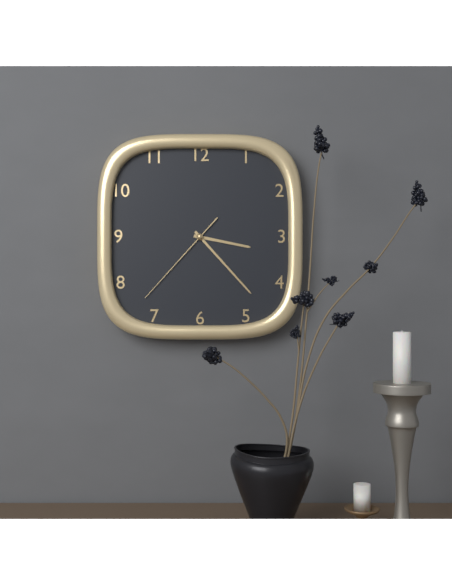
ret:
3,23,37
